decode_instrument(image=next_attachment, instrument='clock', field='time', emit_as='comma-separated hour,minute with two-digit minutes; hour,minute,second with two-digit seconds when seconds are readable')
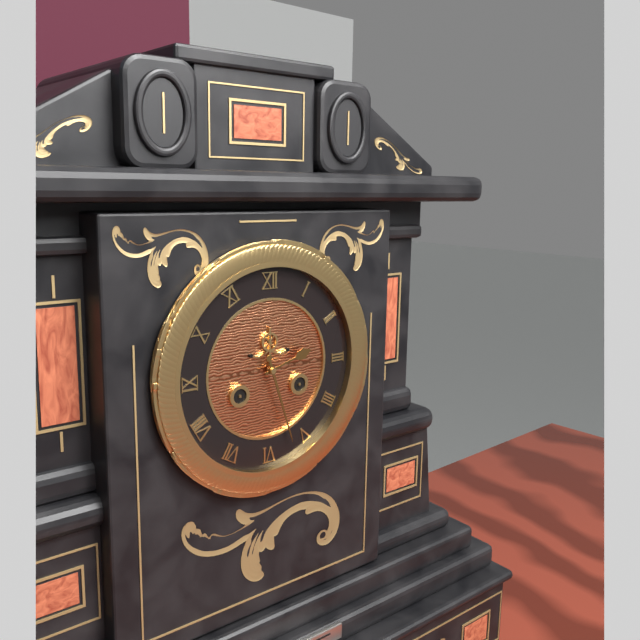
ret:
2,27
